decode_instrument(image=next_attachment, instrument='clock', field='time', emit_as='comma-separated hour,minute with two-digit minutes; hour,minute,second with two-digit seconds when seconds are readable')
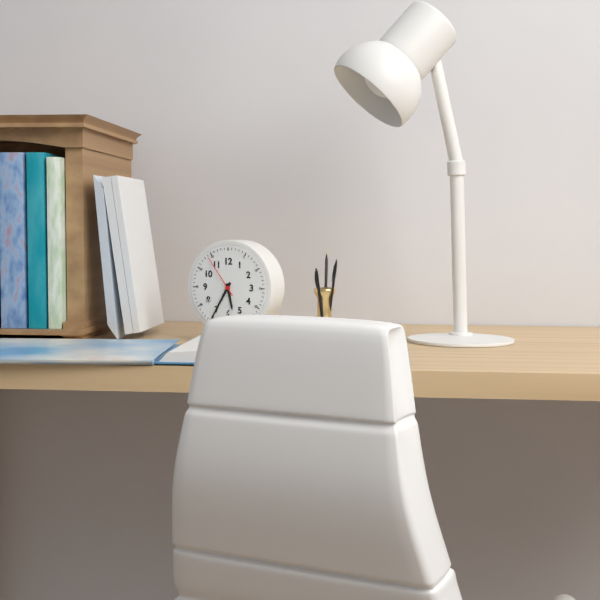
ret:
5,35
